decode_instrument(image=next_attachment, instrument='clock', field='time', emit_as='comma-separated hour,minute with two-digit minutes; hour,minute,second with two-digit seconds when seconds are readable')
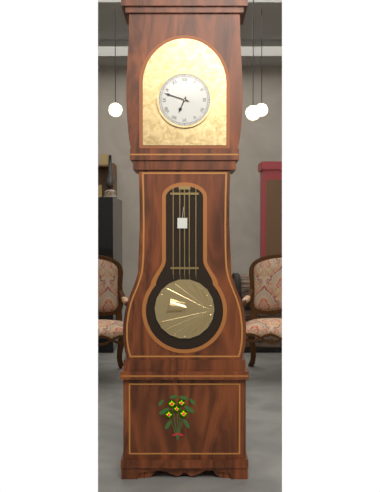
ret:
6,48
